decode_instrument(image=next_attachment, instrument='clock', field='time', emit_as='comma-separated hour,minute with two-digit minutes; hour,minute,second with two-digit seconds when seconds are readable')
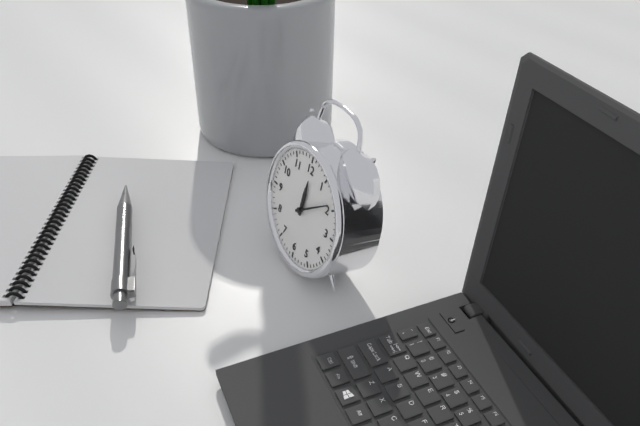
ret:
12,09
